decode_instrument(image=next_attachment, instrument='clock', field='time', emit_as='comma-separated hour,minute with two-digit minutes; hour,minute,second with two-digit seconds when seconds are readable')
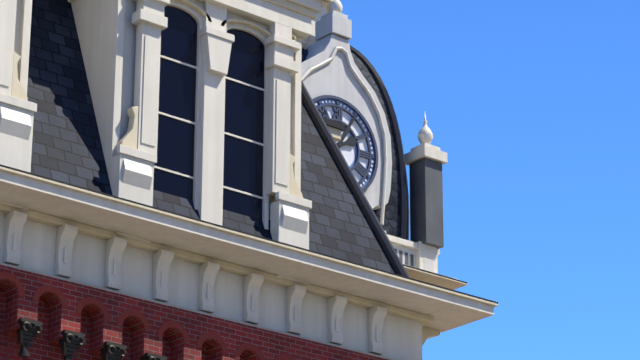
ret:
2,05
